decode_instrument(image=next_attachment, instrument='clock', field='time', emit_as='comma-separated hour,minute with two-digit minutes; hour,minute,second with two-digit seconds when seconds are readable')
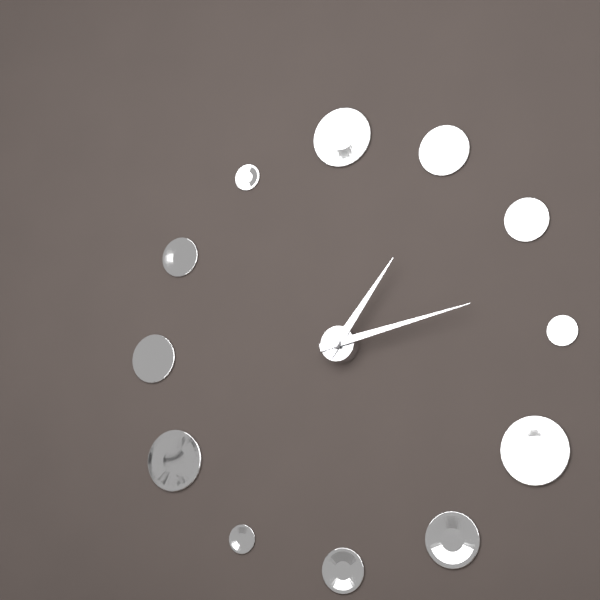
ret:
1,13
